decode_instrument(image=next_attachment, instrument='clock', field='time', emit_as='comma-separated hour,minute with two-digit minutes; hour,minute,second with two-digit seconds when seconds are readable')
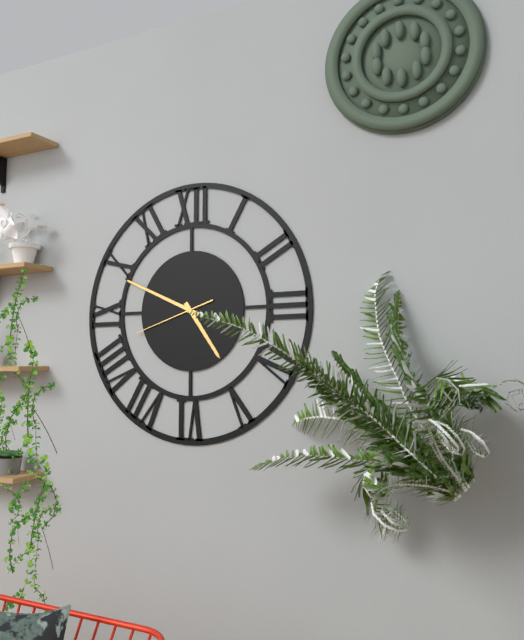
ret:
4,49,42
